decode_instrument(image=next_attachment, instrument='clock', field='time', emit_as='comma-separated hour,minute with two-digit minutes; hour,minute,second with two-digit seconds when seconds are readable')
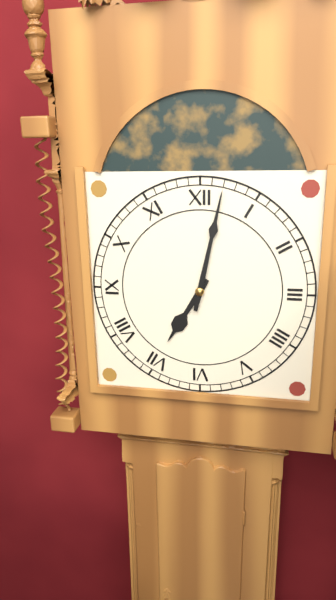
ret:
7,02
